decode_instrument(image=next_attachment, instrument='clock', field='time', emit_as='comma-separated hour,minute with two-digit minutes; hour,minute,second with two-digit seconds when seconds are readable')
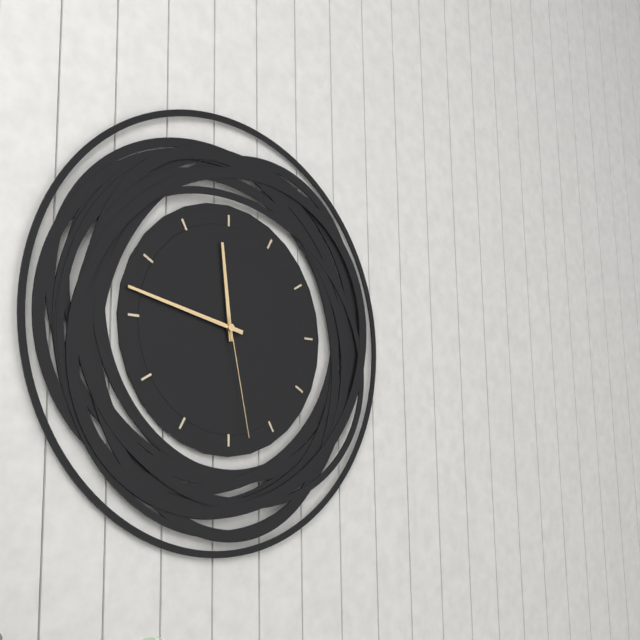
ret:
11,47,28
